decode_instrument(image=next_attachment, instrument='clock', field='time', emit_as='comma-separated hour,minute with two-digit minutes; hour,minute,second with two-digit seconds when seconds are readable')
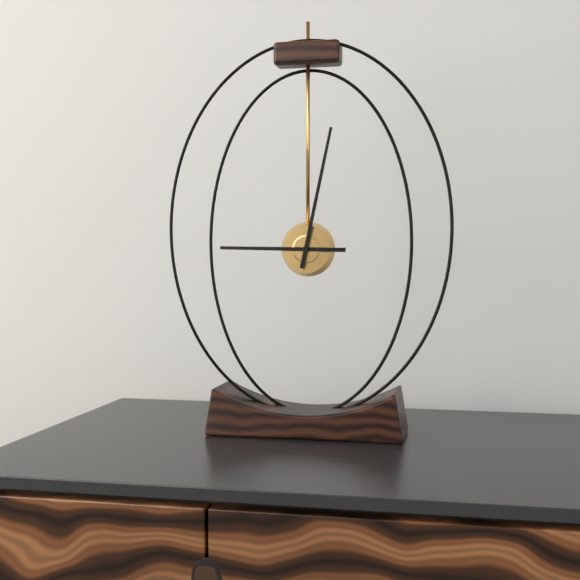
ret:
9,02
